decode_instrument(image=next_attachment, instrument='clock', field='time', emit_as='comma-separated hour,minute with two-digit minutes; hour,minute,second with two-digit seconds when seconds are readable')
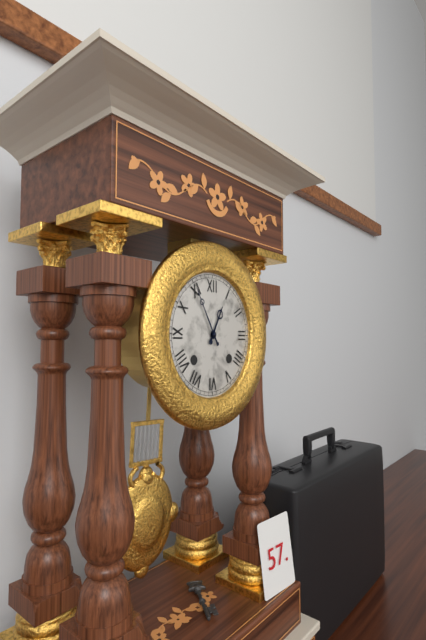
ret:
12,55
